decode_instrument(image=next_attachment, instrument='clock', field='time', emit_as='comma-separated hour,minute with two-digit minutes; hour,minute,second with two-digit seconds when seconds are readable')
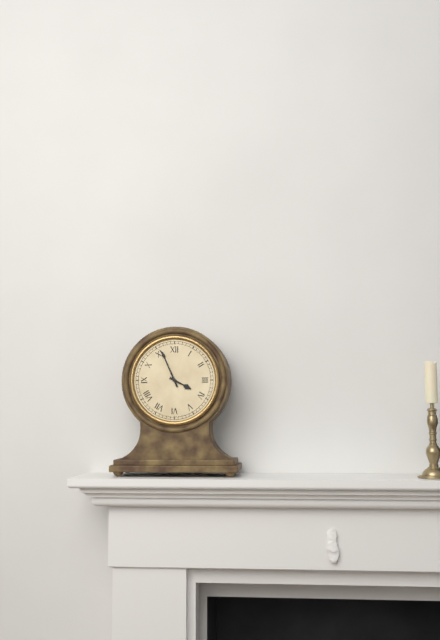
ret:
3,56
